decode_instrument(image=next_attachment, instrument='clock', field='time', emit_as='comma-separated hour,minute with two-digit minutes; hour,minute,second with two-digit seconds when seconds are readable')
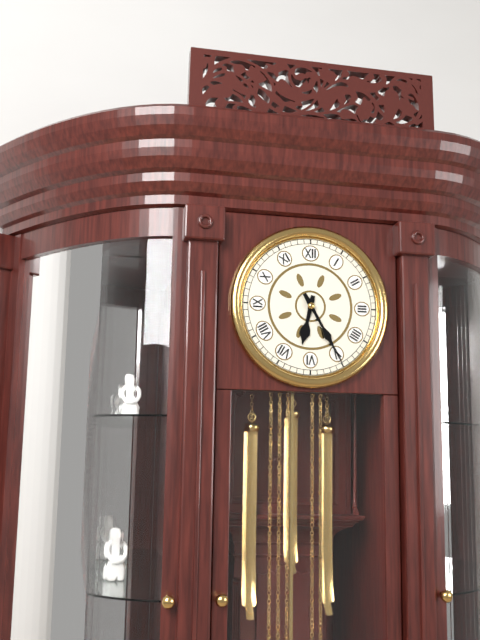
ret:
6,25
